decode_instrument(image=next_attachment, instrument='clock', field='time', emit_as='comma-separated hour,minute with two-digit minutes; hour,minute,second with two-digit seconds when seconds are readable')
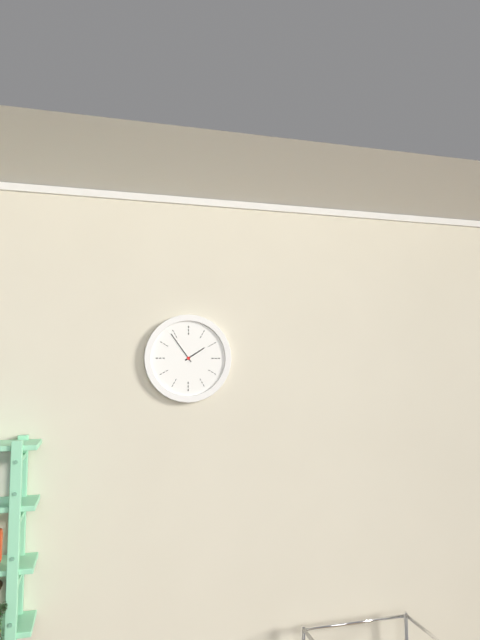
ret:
1,54
